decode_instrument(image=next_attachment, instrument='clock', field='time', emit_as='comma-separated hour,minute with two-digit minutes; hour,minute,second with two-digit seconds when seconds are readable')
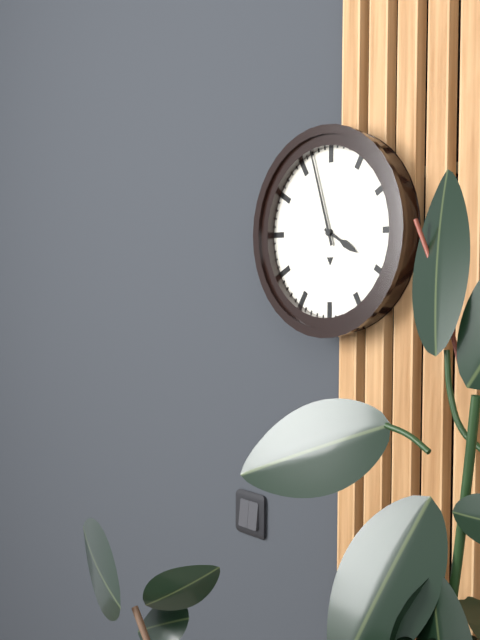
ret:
3,57
